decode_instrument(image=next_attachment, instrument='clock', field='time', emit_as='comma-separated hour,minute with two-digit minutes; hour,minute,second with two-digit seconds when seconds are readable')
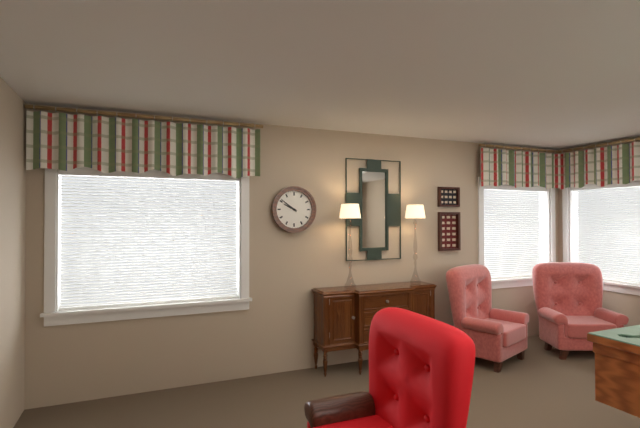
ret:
9,51
